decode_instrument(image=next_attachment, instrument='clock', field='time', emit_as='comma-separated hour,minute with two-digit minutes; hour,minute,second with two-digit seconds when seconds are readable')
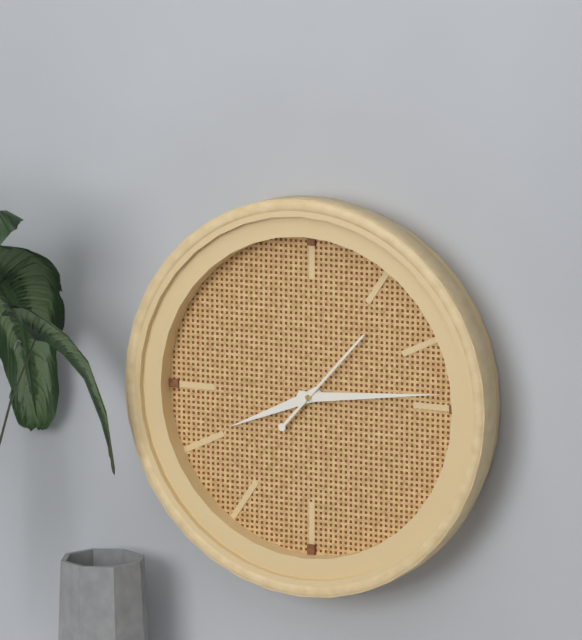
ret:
8,14,07
